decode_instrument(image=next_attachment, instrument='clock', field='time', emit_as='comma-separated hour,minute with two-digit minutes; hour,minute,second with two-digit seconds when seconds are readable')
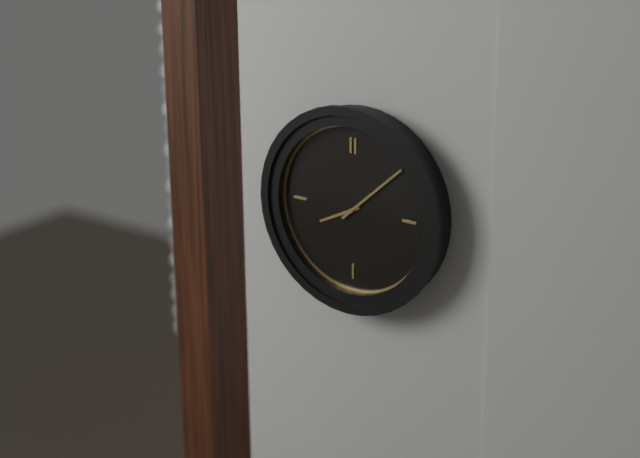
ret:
8,08
